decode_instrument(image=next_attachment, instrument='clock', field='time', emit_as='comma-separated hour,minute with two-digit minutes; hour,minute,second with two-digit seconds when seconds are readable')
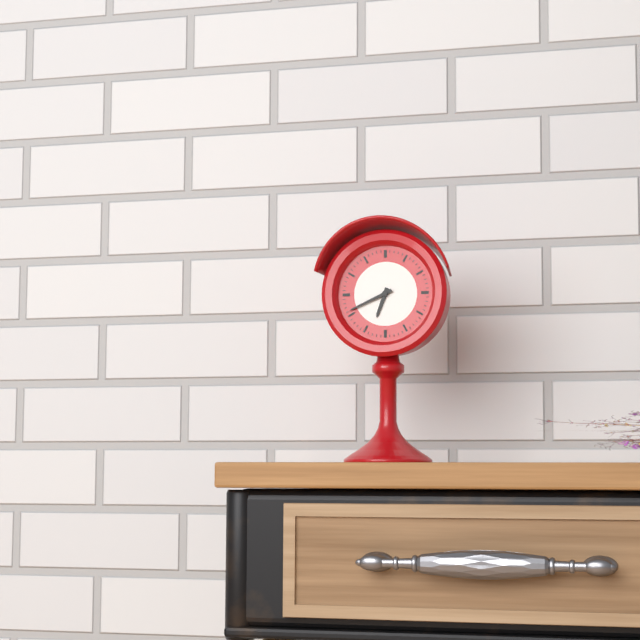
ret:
6,41
